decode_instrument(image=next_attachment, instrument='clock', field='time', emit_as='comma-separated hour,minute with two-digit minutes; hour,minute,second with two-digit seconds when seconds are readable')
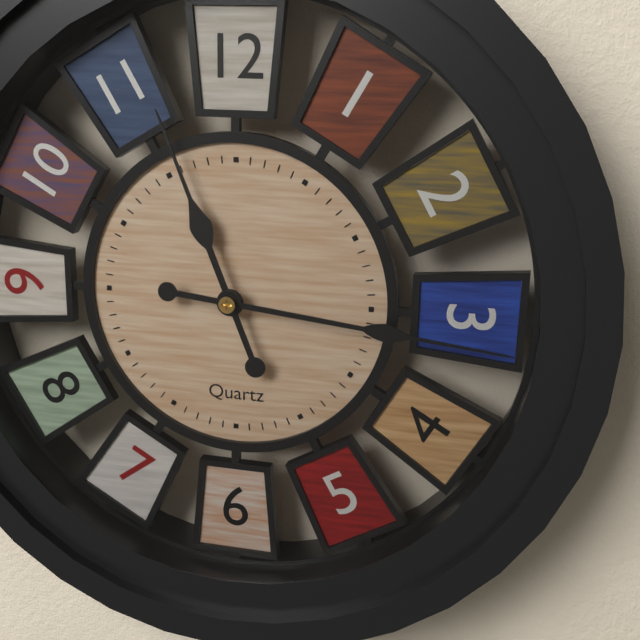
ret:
11,16
